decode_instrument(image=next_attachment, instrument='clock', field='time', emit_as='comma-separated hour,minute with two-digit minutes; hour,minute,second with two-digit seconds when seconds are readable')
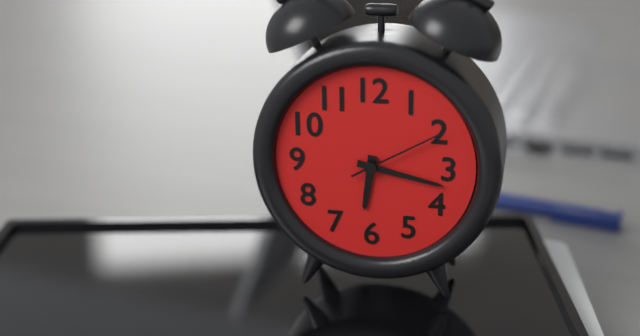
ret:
6,17,10
